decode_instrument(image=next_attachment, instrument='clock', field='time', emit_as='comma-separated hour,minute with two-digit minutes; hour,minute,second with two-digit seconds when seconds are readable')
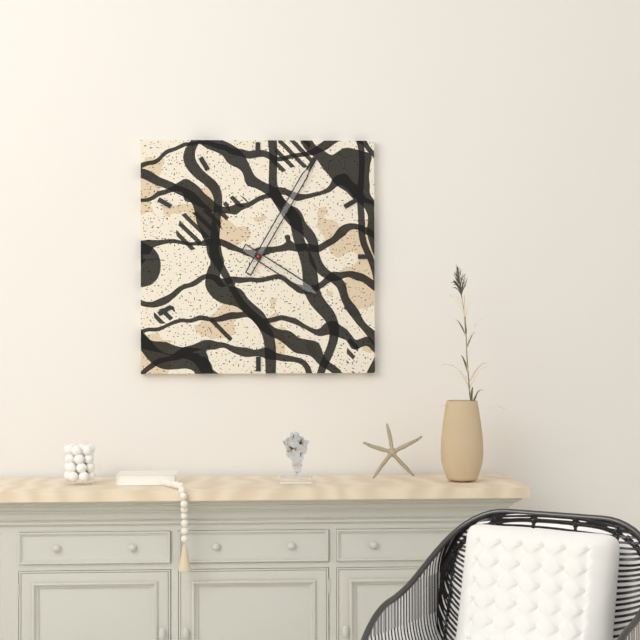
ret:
4,05
